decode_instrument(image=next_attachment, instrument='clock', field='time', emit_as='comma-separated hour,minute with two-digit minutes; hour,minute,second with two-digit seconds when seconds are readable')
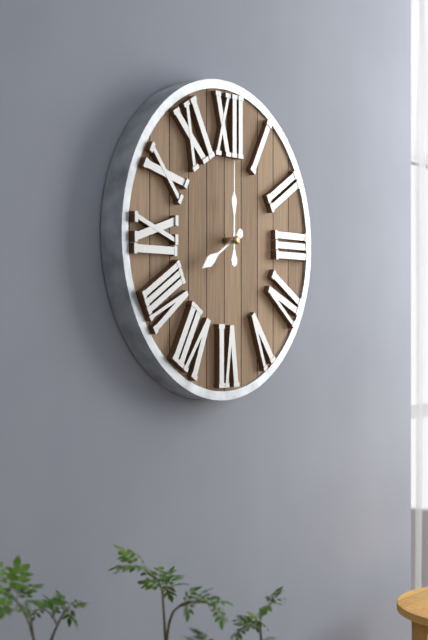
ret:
8,00
